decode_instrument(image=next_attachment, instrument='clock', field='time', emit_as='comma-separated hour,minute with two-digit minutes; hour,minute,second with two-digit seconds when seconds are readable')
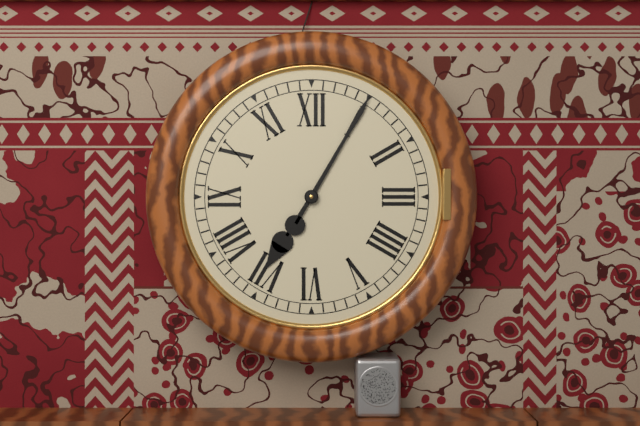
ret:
7,05
